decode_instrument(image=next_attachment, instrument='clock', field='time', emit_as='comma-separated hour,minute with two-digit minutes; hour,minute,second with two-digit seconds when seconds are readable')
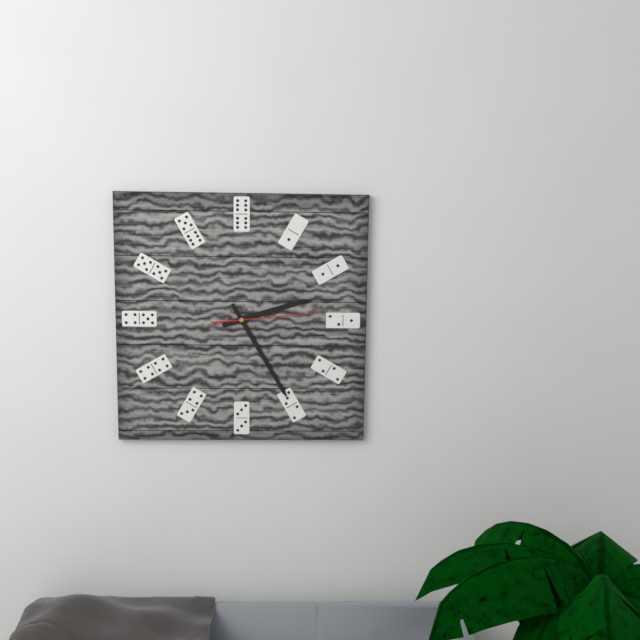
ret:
2,25,14
